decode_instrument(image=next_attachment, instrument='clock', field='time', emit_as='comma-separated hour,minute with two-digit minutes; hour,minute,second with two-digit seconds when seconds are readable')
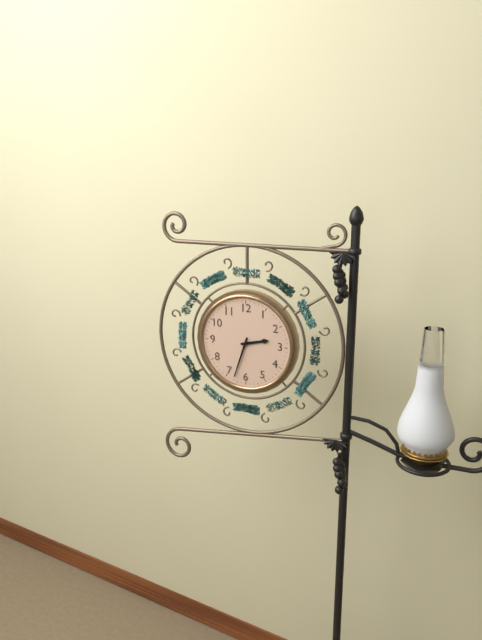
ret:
2,33
